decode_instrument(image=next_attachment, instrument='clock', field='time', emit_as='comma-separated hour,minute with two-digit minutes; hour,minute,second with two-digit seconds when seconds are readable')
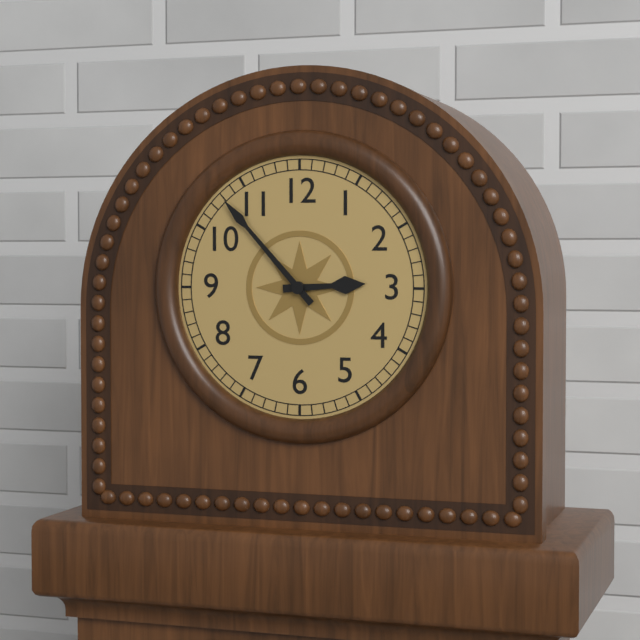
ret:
2,53
